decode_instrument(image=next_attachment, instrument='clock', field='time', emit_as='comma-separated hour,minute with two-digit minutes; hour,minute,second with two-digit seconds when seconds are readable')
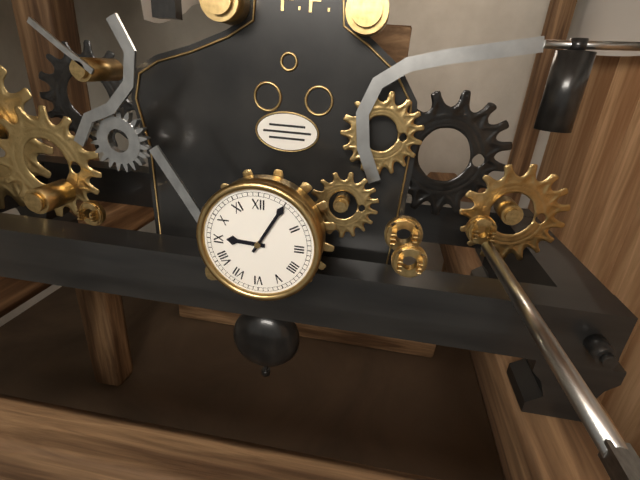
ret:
9,05
